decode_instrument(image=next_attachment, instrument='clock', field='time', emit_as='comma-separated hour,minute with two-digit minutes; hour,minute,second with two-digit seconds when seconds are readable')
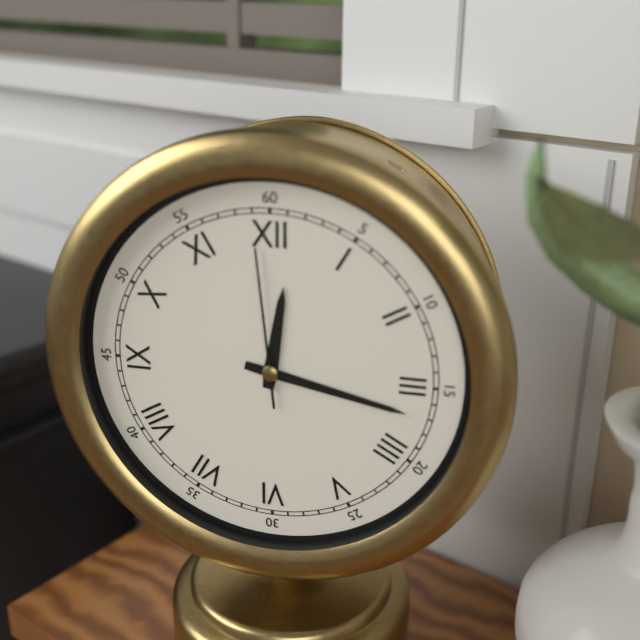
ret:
12,17,59
